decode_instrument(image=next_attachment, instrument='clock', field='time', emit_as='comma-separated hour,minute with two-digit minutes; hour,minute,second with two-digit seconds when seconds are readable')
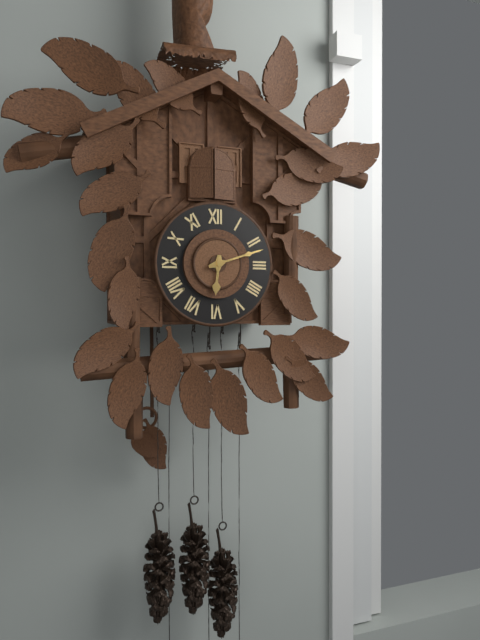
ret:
6,12
